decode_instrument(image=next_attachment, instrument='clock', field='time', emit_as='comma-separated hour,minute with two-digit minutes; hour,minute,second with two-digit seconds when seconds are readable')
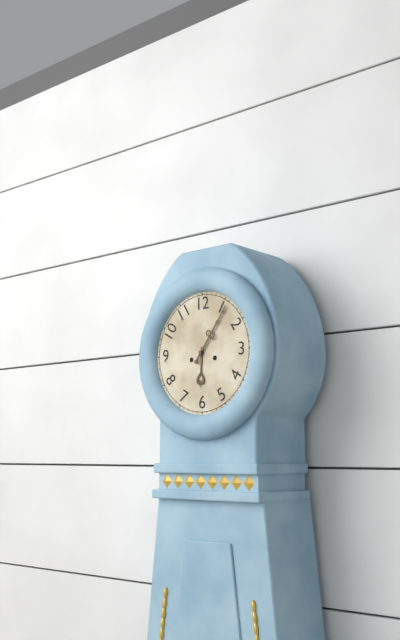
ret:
6,06
